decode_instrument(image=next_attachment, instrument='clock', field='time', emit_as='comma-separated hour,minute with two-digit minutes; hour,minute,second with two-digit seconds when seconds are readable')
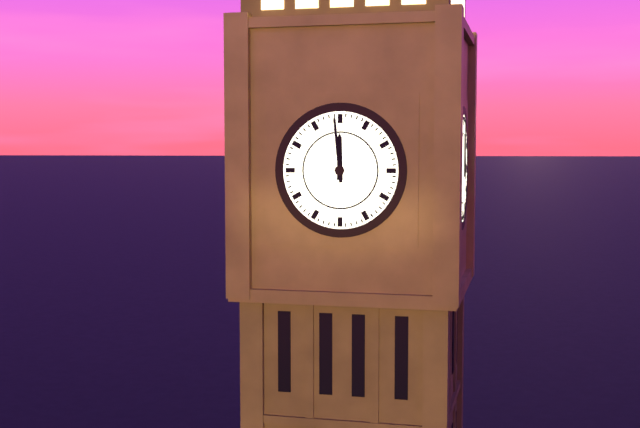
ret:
11,59
